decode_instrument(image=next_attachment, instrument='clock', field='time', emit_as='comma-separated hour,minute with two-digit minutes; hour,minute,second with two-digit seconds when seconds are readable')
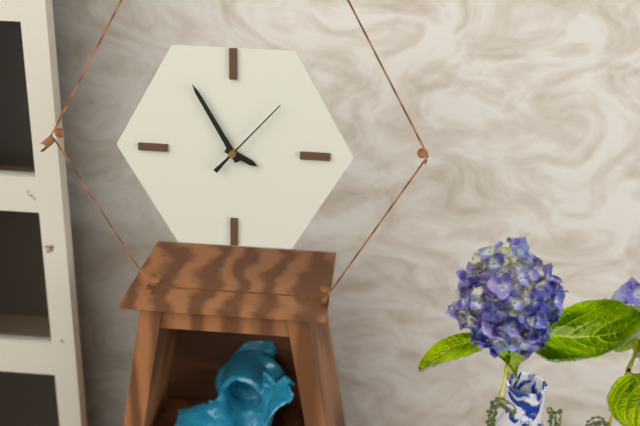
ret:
3,55,07
